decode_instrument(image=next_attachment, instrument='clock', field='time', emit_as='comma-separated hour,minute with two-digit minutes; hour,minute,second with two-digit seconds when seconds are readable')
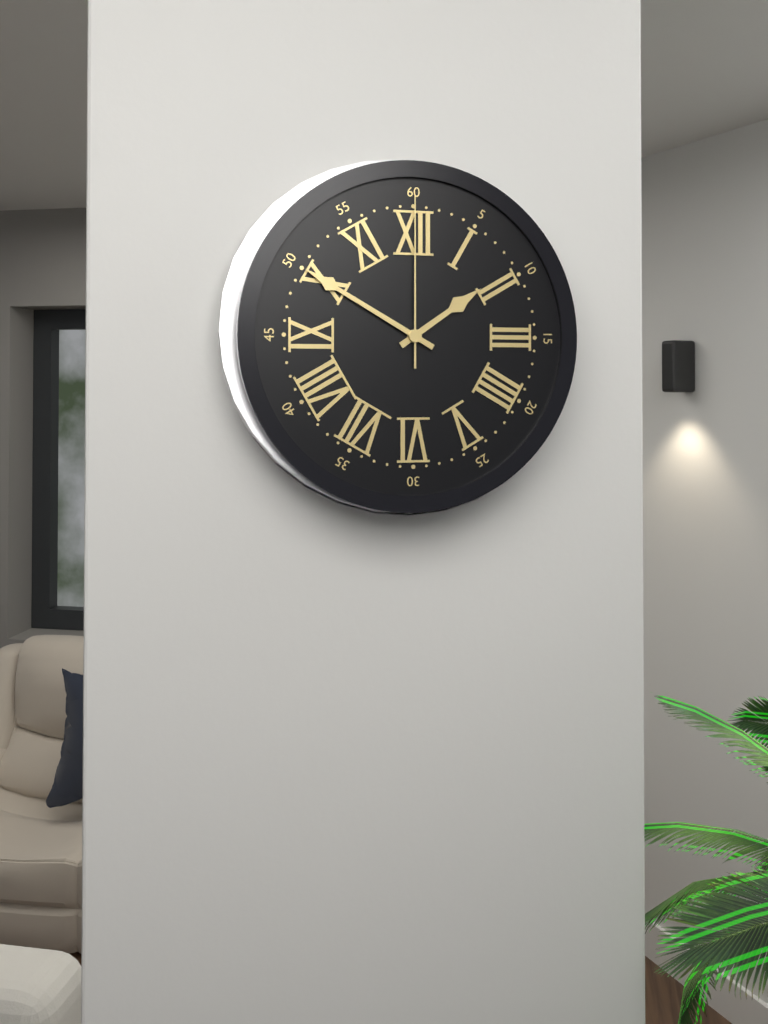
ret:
1,50,00
